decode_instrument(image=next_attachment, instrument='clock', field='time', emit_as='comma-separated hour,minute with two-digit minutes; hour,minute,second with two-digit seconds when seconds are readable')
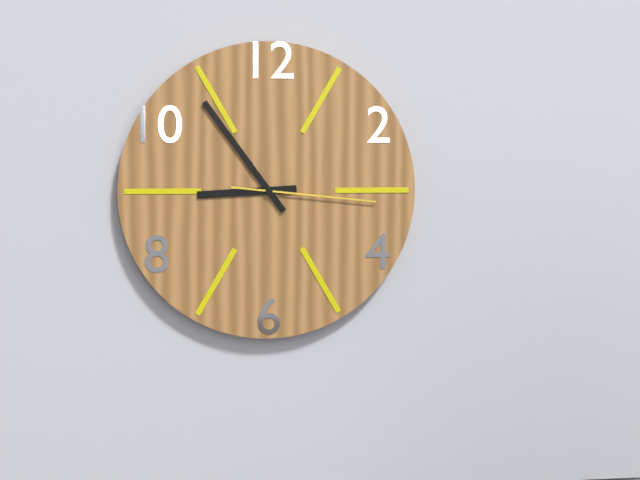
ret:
8,54,16
